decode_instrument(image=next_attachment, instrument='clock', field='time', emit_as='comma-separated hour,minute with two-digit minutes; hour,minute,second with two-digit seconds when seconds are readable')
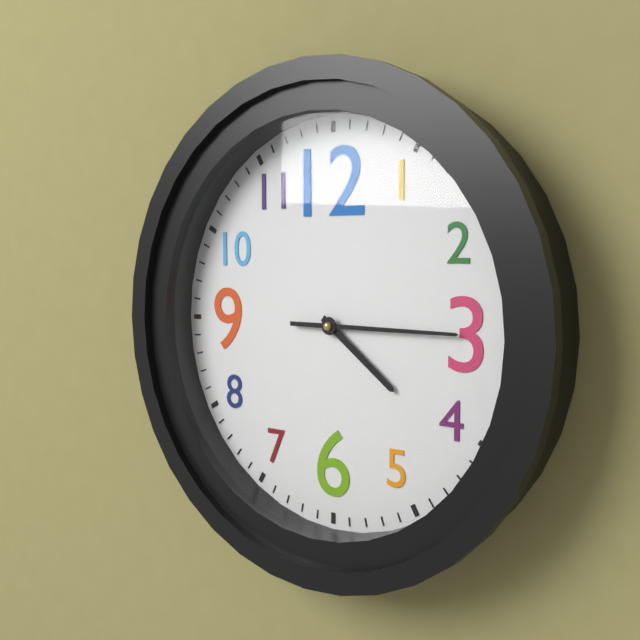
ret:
4,15
